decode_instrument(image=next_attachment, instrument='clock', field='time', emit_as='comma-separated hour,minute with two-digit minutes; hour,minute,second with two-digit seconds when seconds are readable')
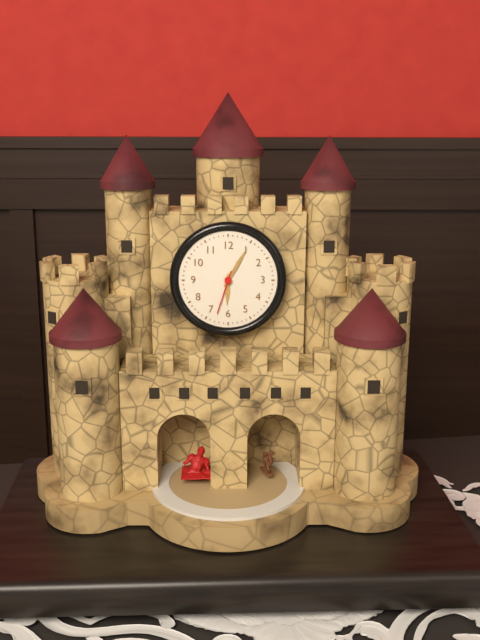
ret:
6,05
